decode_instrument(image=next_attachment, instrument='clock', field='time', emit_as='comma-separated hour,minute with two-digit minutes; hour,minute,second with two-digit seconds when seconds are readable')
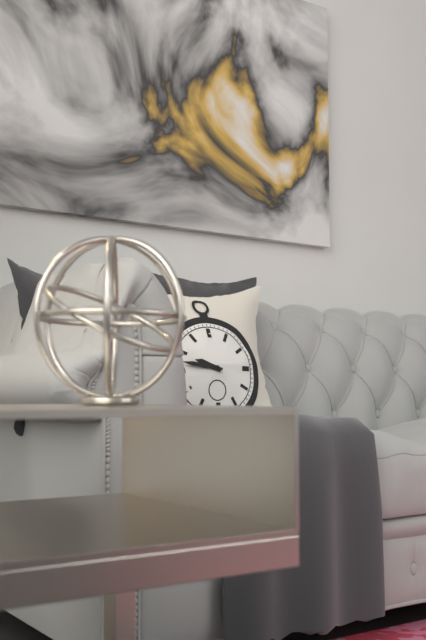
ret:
9,47
